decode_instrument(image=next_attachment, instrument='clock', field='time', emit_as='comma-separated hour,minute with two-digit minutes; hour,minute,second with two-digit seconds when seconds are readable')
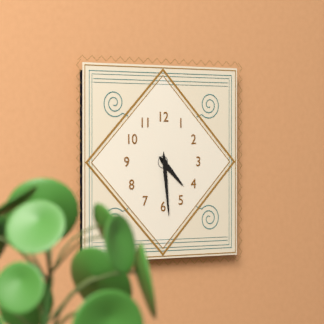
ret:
4,29
